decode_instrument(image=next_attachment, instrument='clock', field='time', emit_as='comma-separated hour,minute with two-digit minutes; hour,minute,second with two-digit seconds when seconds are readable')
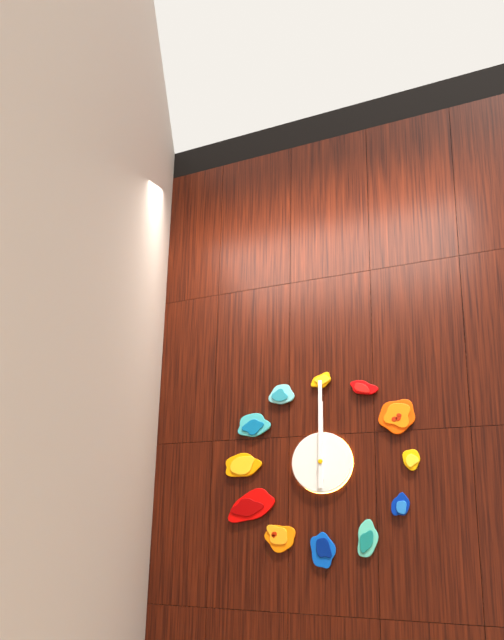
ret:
12,00
